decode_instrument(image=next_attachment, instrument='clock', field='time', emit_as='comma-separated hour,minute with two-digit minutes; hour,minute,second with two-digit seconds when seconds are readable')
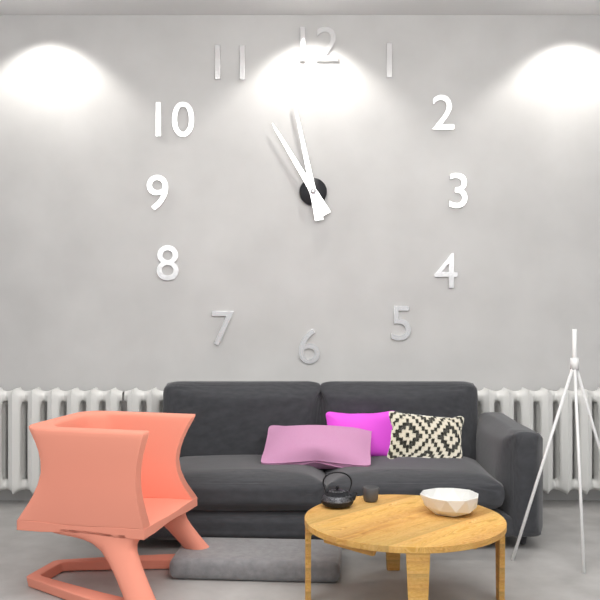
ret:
10,58
